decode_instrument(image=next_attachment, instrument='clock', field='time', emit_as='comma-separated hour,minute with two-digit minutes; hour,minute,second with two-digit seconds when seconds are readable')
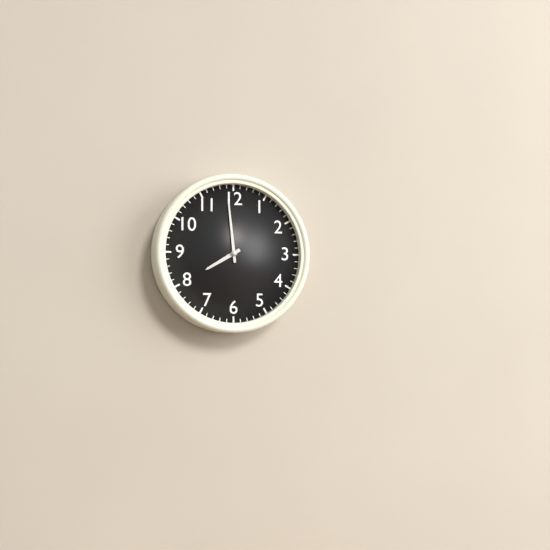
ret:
7,59
